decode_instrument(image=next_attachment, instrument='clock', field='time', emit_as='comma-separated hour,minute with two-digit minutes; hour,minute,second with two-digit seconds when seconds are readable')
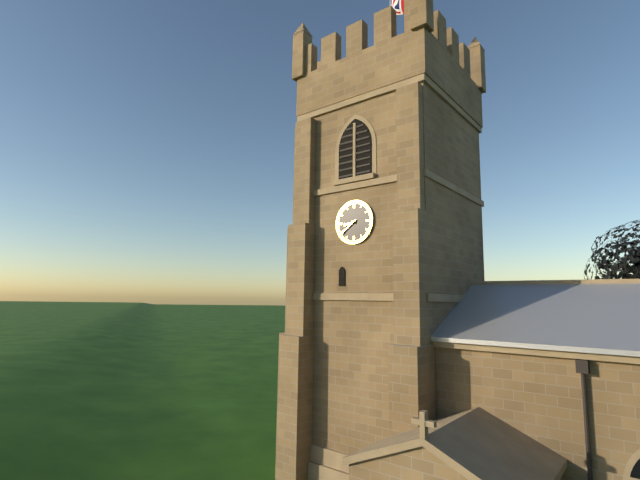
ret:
8,39
